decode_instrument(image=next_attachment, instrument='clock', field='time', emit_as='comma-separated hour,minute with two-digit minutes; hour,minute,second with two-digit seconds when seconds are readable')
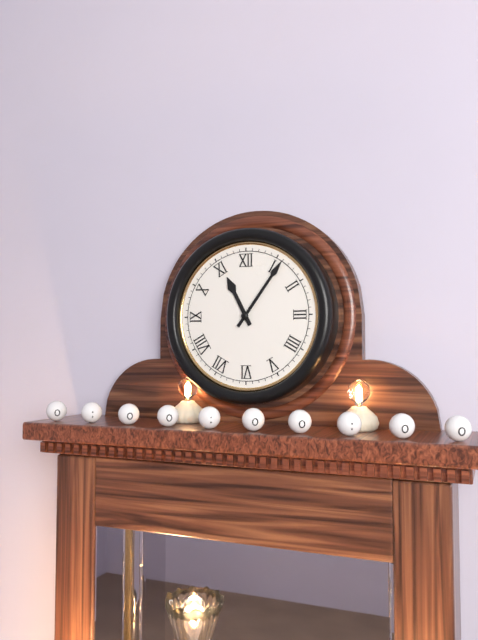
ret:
11,06
